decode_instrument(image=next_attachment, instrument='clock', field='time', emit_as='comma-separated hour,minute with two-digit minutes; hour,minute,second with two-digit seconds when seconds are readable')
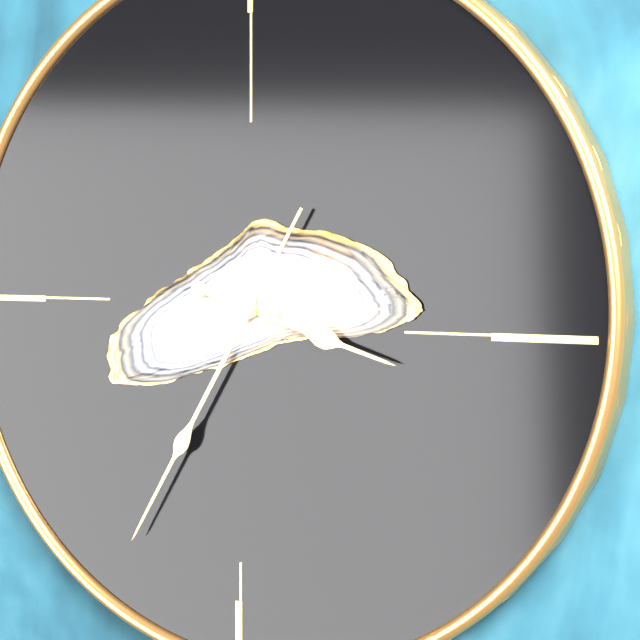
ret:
3,35
